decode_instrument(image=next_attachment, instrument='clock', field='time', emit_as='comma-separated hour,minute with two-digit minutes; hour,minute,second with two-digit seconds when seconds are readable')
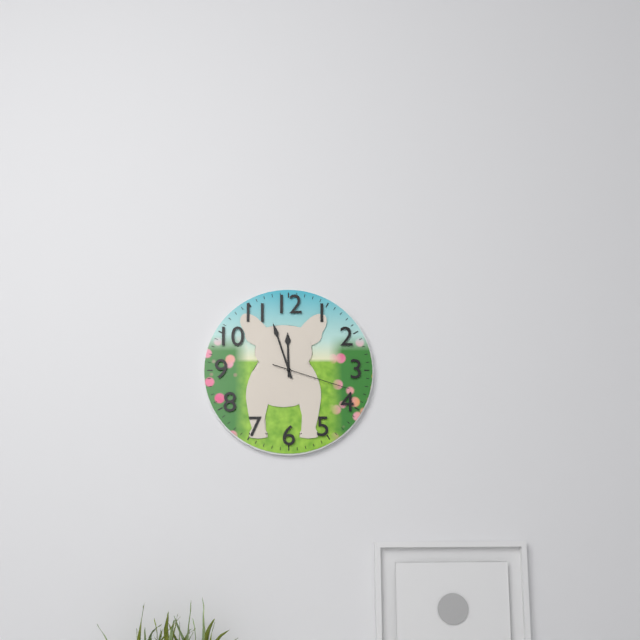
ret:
11,57,18
